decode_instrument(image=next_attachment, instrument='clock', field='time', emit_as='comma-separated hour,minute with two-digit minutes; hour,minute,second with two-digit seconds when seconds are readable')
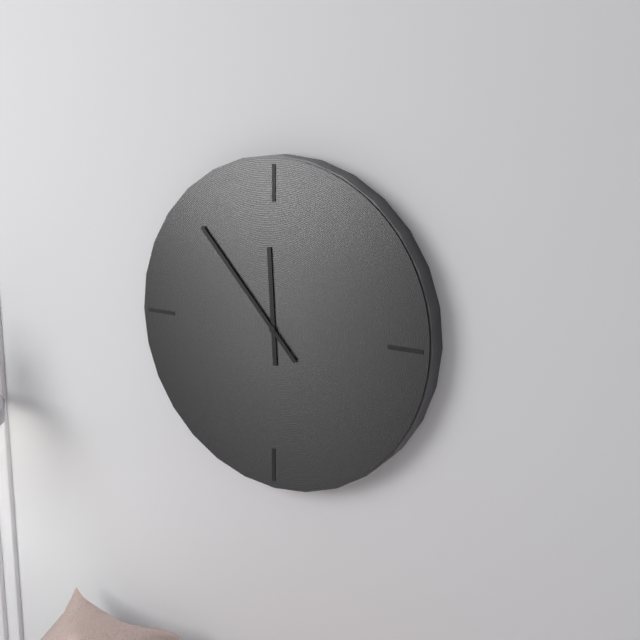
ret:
11,53
